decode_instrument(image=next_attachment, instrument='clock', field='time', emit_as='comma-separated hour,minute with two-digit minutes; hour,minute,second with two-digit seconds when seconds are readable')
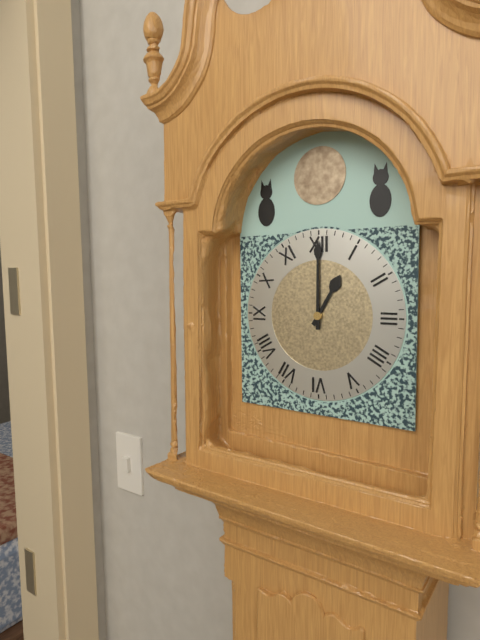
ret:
1,00
